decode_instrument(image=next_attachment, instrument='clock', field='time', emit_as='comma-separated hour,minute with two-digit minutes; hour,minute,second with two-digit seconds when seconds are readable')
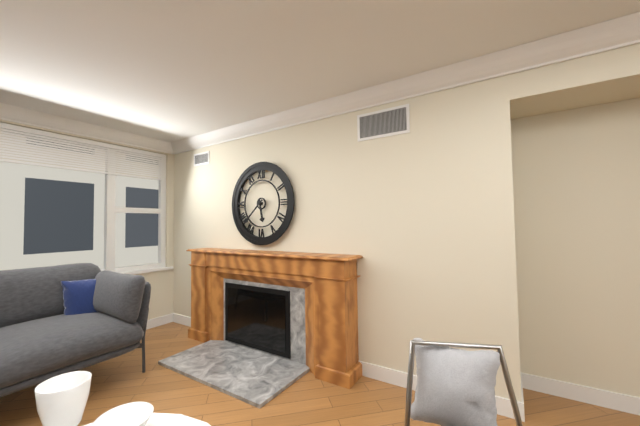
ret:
5,38
